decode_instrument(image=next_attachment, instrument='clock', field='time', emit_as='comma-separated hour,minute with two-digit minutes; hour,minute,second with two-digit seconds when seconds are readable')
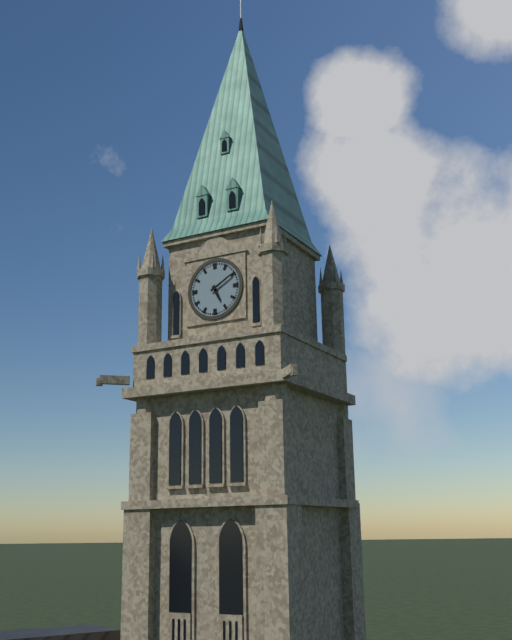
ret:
5,10
